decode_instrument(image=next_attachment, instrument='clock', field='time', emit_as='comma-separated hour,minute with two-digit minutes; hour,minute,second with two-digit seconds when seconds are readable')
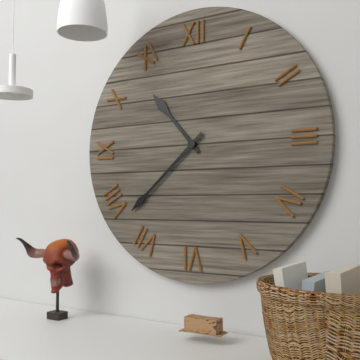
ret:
10,38
